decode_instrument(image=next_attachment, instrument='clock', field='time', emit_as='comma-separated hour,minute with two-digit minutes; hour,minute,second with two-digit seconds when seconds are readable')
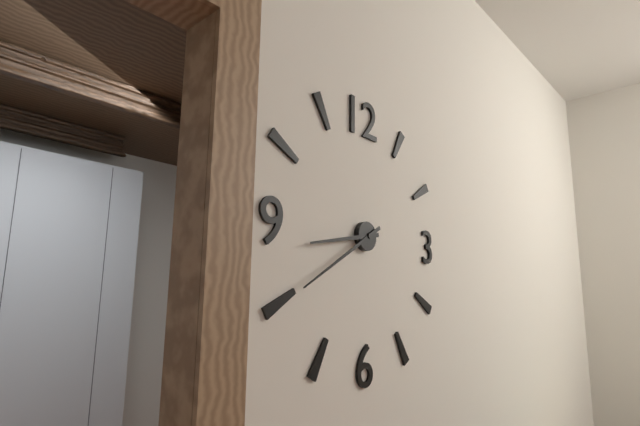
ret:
8,40
